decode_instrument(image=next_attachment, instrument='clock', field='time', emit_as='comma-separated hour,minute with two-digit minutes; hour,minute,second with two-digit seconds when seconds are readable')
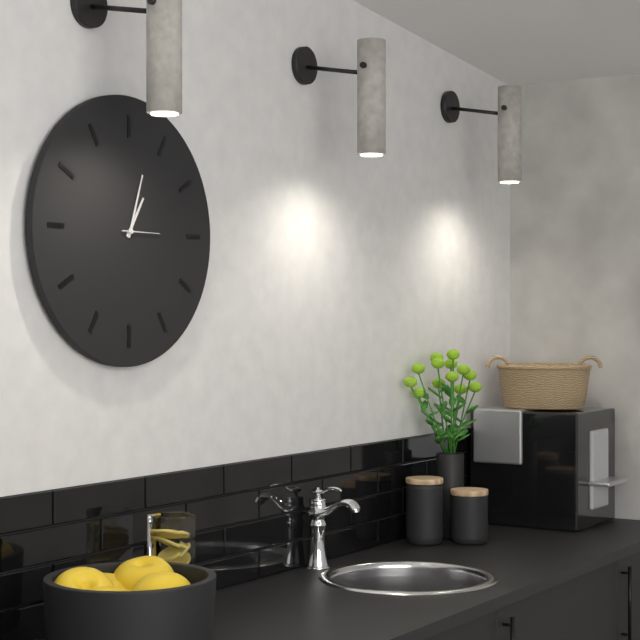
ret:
1,03
